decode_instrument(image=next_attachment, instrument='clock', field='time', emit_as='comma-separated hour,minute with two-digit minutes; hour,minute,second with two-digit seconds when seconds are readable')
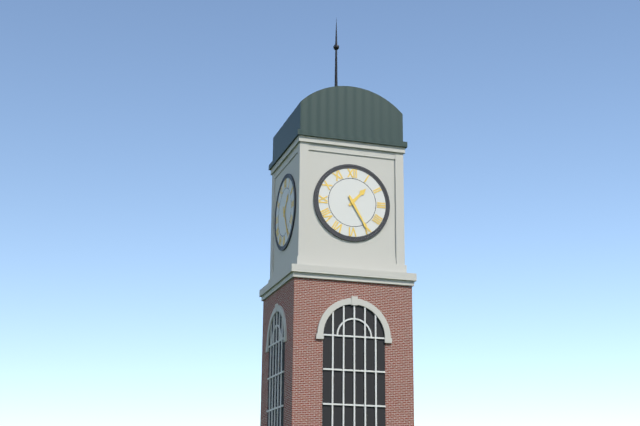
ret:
1,25
